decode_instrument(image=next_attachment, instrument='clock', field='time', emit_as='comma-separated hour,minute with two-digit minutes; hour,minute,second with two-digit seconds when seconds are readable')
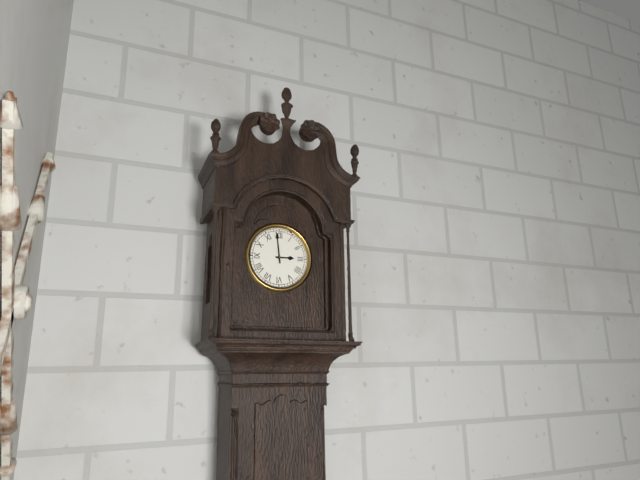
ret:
2,59
